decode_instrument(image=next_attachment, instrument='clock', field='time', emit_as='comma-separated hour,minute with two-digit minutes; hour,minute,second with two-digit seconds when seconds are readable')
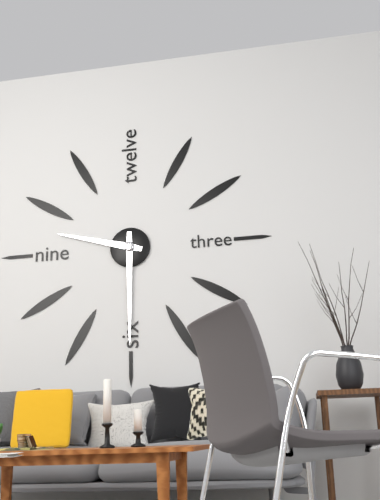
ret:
9,30
